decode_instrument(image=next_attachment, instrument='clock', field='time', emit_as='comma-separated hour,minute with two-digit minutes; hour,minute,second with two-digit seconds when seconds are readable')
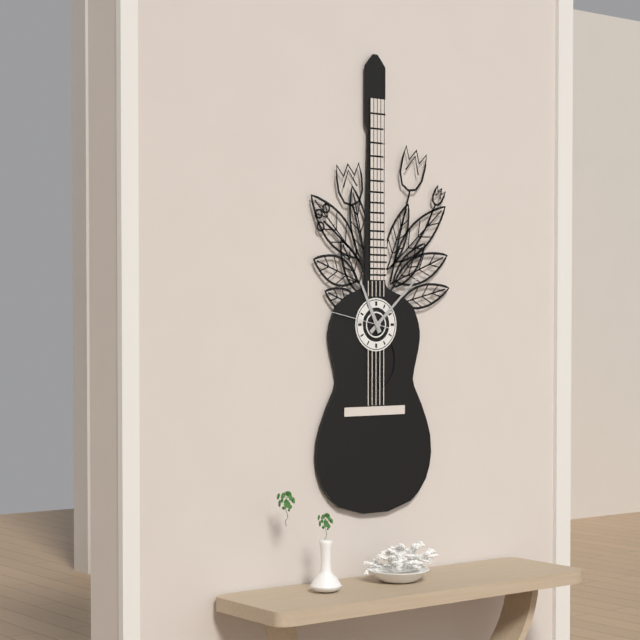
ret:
11,08,47
